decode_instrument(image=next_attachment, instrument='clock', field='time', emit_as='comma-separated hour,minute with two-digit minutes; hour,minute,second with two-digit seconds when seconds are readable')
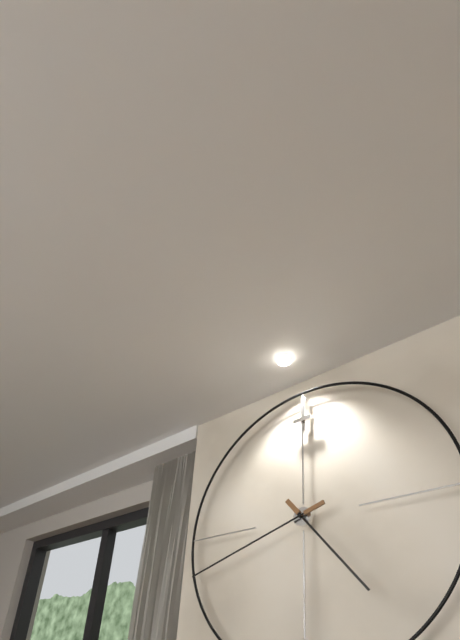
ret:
4,42
